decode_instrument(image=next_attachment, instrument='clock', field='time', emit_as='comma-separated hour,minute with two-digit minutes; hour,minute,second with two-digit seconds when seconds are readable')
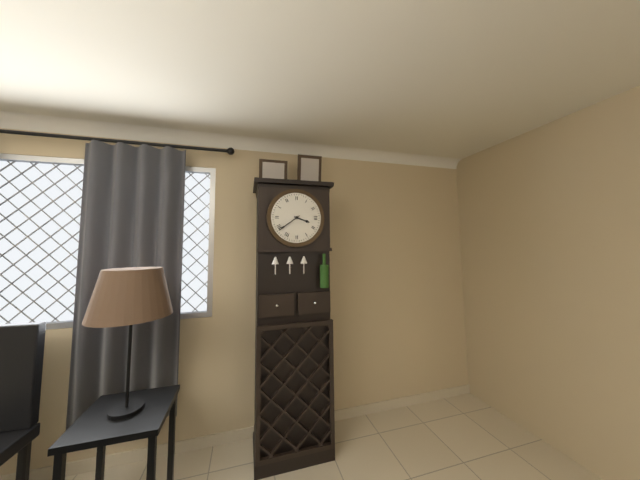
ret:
3,39
